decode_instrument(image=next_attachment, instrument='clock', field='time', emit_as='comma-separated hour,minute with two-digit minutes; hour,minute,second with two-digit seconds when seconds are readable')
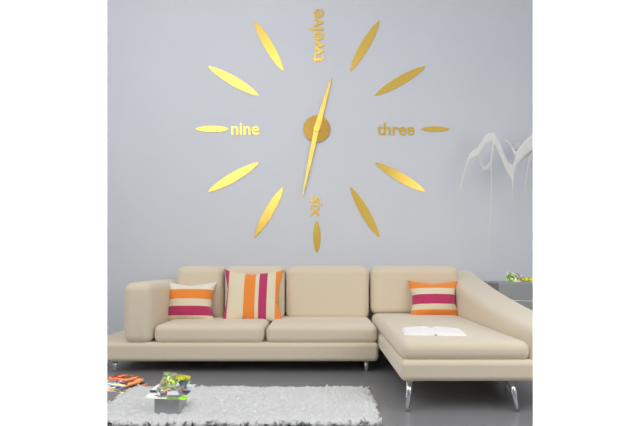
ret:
12,32
